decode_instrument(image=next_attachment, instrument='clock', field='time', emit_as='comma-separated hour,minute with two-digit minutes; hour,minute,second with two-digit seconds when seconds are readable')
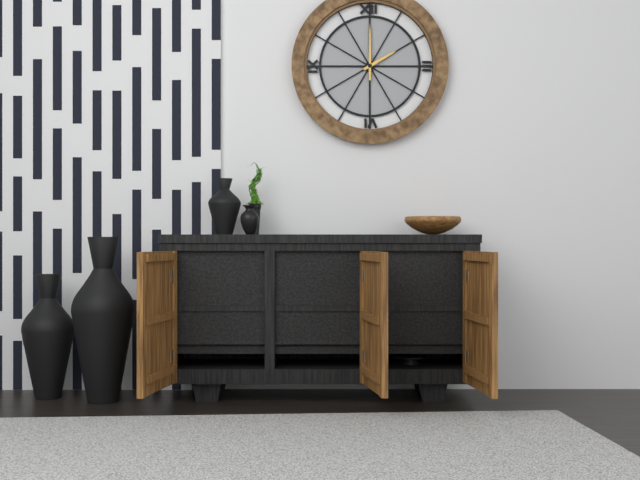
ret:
2,00
